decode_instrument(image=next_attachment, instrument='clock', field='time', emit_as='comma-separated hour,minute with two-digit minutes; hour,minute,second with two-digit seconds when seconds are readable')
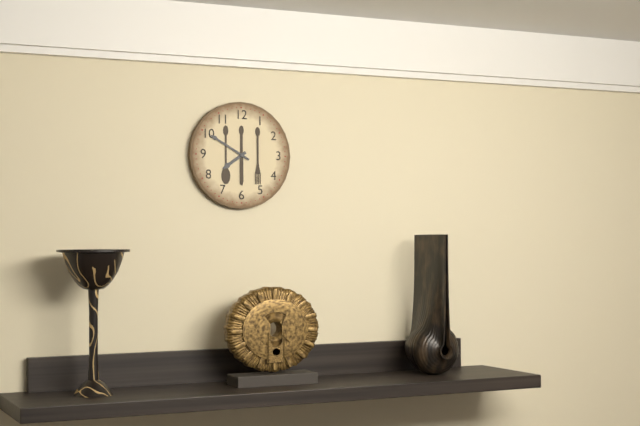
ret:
7,50
